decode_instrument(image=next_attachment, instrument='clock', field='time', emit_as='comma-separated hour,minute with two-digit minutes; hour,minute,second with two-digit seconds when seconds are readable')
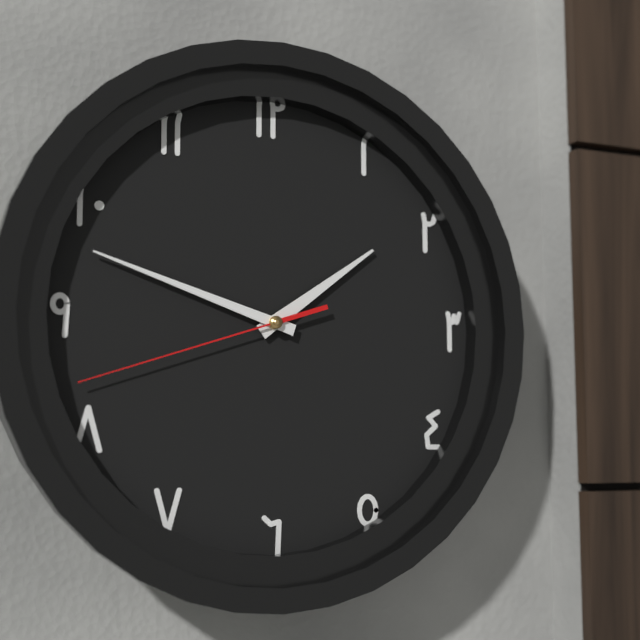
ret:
1,48,42
